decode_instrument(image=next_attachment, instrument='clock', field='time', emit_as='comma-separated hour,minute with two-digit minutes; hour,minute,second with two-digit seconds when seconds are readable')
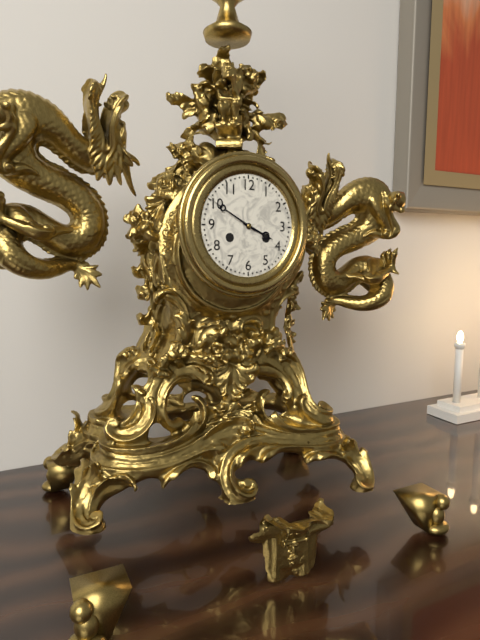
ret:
3,50
